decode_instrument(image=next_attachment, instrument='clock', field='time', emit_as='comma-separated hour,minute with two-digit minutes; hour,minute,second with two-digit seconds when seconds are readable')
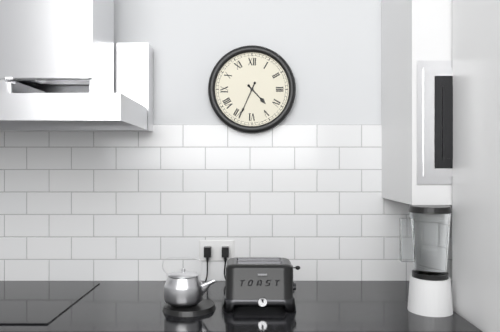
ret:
4,34
